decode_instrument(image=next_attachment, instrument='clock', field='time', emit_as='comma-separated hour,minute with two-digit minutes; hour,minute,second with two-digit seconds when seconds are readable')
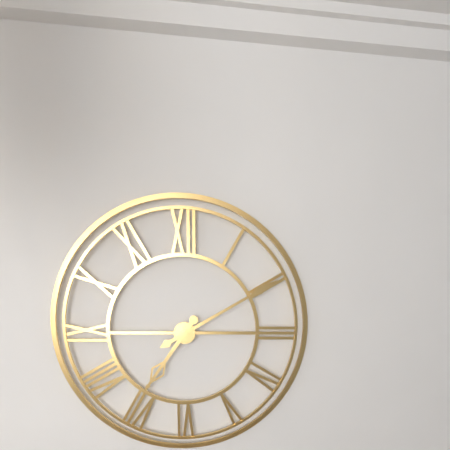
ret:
7,10
